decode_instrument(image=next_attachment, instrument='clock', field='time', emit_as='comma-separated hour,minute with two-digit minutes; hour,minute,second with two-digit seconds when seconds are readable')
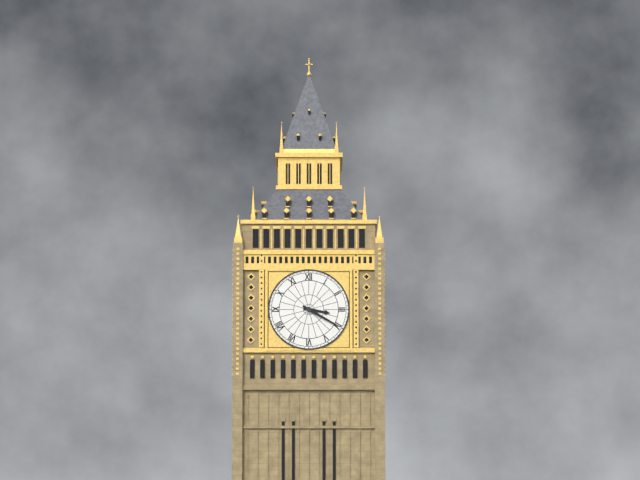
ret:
3,20
